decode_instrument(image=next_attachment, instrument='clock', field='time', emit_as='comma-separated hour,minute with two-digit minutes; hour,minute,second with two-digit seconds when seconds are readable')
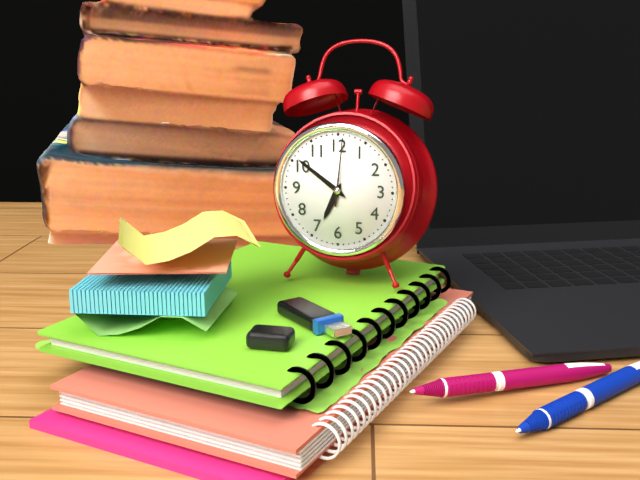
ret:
6,51,01
